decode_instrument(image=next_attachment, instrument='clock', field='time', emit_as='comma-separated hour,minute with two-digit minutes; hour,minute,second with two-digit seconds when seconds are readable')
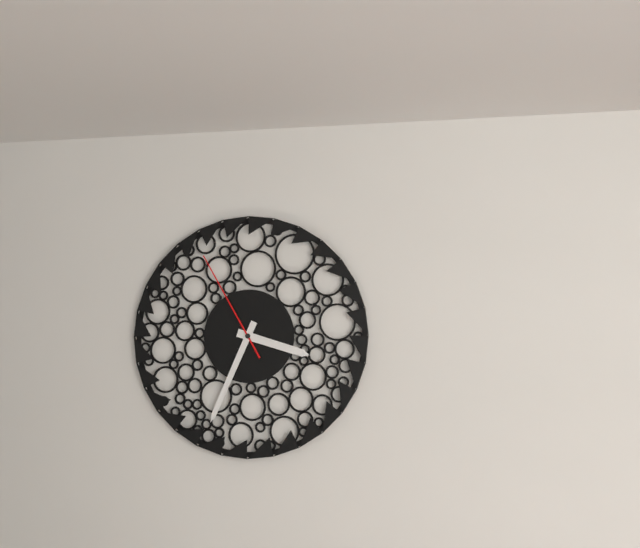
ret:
3,34,55
